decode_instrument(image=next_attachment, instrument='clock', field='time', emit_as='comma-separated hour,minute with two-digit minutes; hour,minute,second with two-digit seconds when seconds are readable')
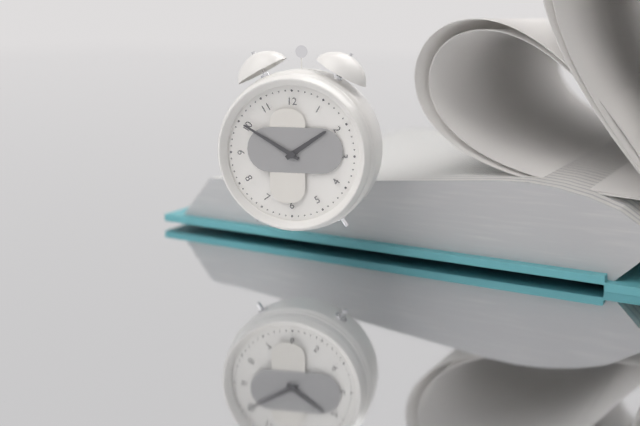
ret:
1,50
